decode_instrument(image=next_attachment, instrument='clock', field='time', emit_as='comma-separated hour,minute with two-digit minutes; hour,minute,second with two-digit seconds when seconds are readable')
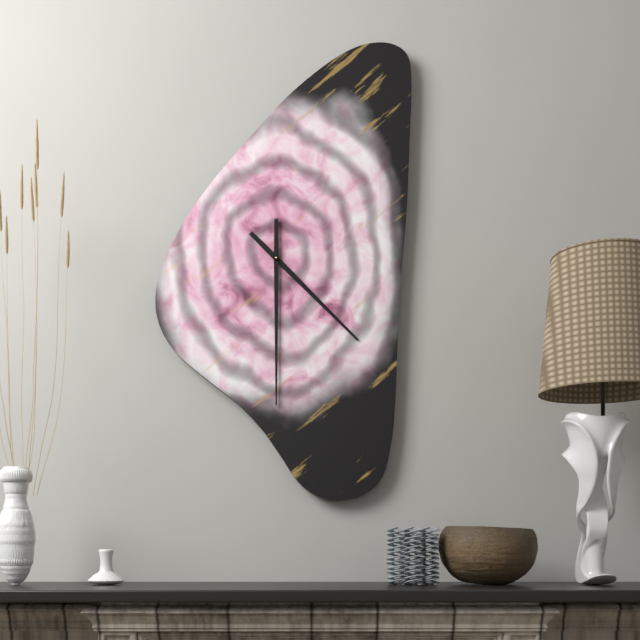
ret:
4,30
